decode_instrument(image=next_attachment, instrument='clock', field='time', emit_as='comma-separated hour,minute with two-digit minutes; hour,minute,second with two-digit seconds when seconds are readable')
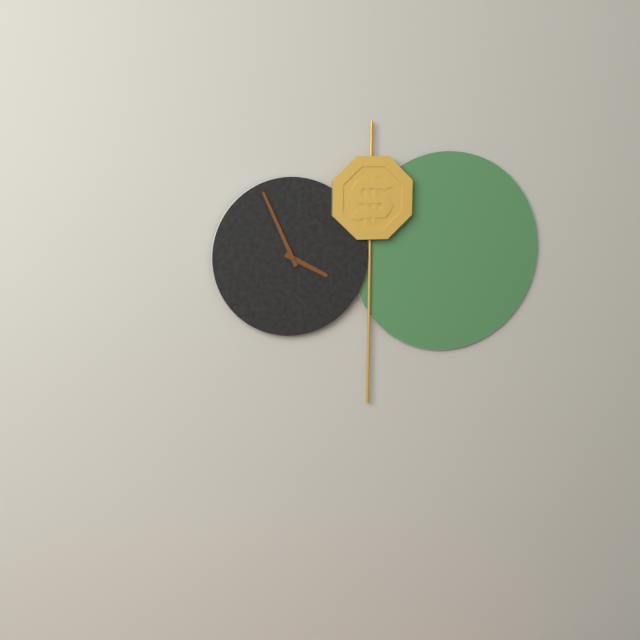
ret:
3,56
